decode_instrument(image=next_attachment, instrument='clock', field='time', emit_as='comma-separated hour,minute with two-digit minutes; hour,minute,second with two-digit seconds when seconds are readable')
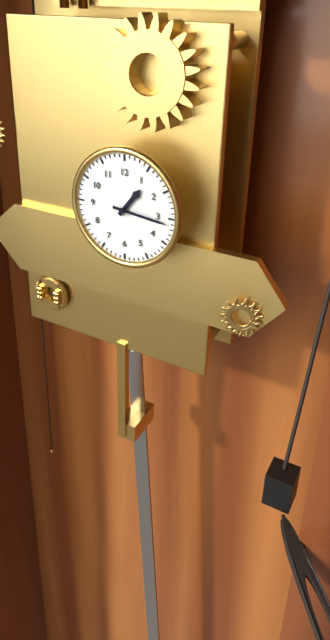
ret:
1,16
